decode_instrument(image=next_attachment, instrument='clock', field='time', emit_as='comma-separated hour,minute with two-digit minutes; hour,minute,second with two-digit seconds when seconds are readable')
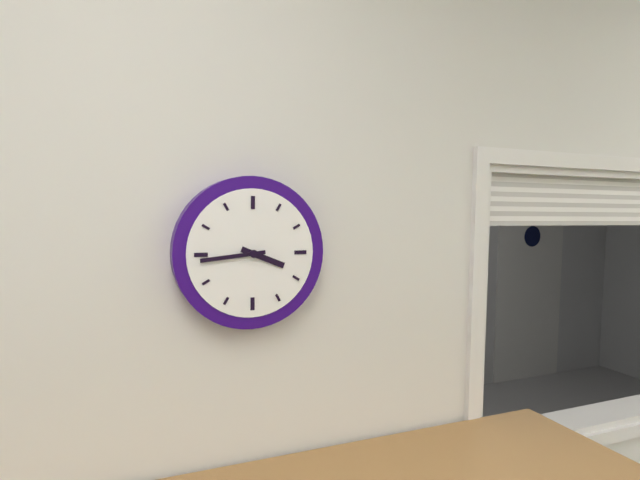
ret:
3,44
